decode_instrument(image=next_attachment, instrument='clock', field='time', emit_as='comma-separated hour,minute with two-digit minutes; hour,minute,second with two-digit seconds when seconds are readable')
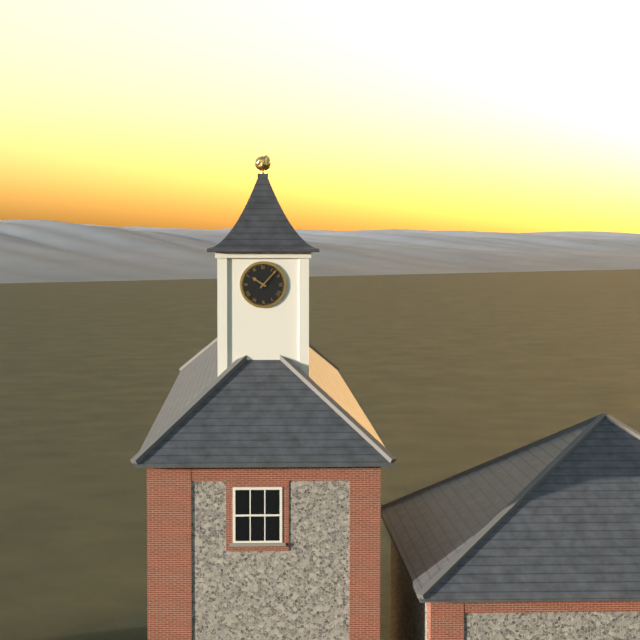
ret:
10,07
